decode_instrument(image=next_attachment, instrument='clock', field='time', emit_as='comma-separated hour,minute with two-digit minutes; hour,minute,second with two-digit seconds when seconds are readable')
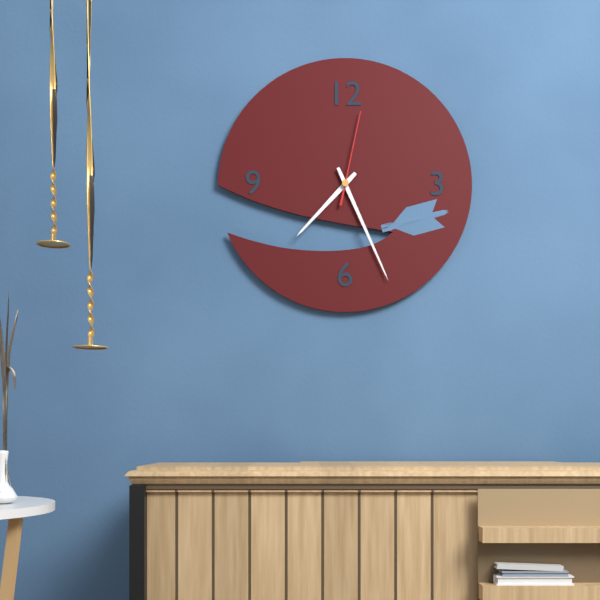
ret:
7,26,02
